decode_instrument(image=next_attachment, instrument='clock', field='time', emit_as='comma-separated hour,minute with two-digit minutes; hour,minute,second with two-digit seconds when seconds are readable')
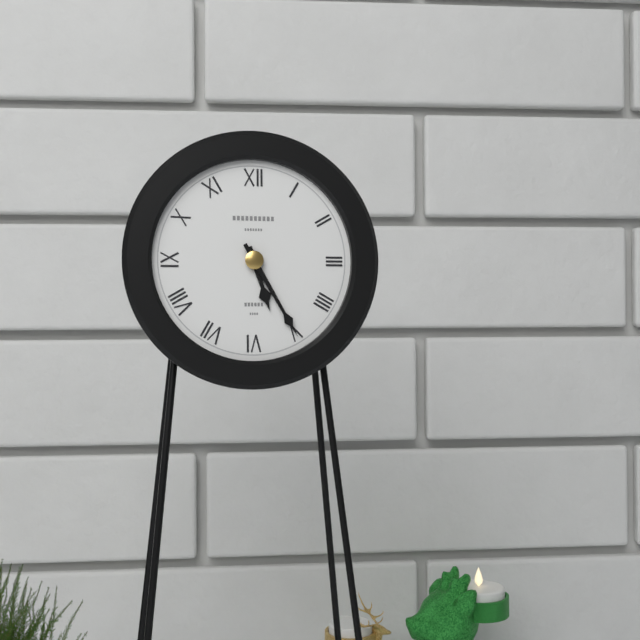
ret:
5,25
